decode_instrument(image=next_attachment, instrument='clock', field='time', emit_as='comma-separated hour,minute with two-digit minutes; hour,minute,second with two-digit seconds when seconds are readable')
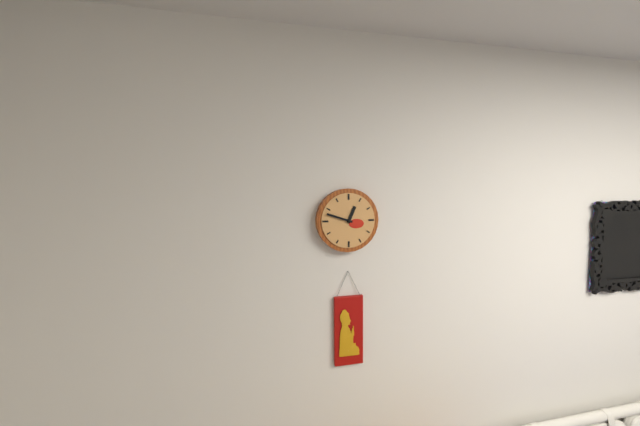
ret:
12,48
